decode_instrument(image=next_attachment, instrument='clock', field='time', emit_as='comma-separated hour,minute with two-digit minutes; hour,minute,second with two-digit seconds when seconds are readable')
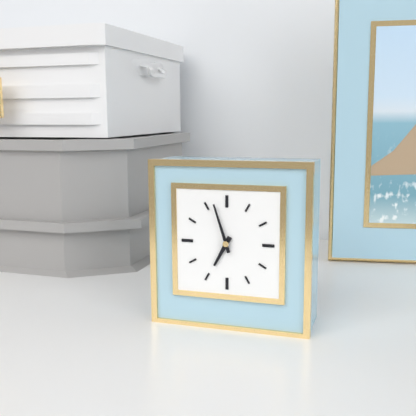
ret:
6,57
